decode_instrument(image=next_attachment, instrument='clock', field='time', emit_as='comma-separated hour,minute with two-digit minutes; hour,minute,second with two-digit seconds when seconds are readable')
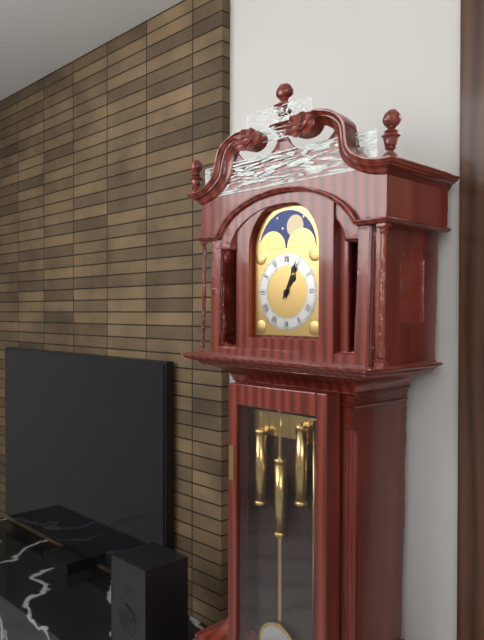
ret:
1,04
